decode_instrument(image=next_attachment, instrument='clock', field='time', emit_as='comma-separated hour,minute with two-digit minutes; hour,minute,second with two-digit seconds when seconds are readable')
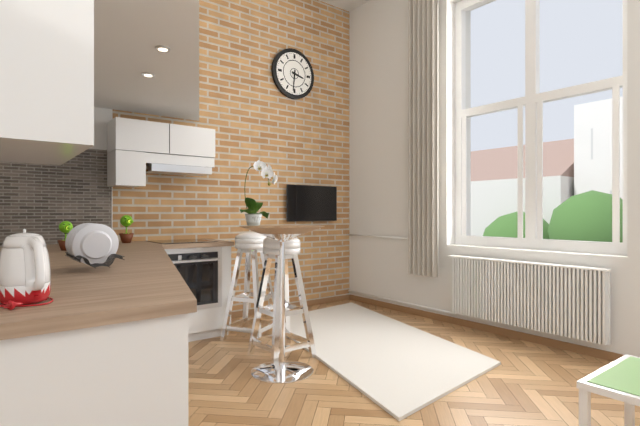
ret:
3,31
